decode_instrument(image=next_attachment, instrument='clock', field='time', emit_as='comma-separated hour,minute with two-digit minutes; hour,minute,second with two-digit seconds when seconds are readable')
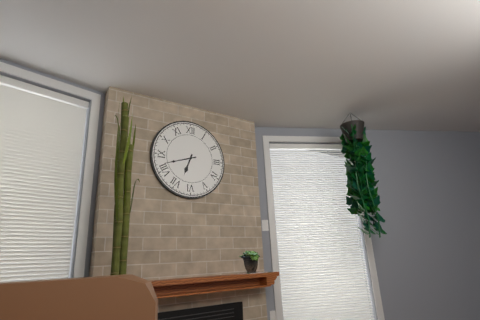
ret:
6,42
